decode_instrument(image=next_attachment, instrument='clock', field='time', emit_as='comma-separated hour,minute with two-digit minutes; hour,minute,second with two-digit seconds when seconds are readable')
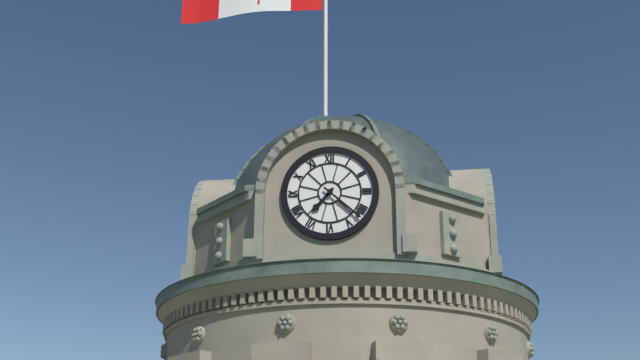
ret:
7,22
